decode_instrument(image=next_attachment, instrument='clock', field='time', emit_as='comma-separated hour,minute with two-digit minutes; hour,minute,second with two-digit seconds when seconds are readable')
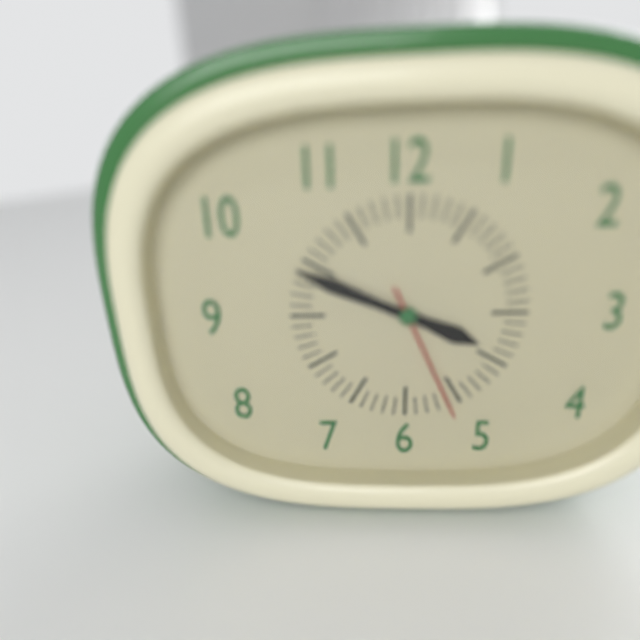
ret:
3,49,26
